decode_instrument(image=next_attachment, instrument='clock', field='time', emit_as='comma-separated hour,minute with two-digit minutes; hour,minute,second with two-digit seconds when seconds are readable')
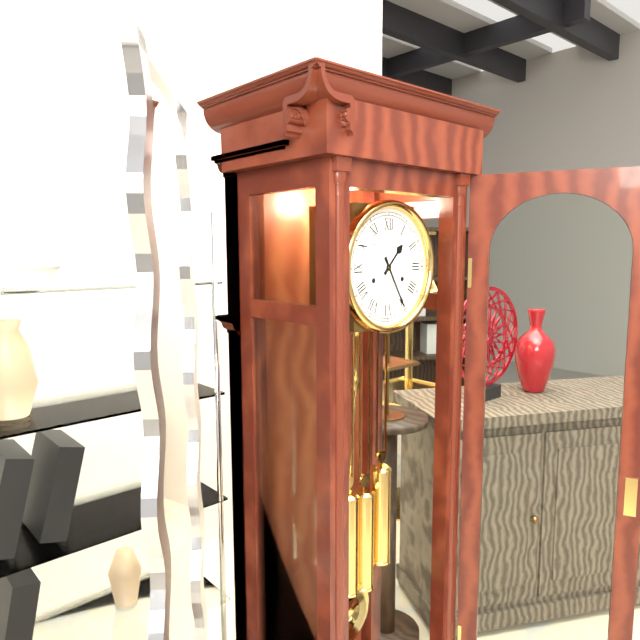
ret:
1,25
